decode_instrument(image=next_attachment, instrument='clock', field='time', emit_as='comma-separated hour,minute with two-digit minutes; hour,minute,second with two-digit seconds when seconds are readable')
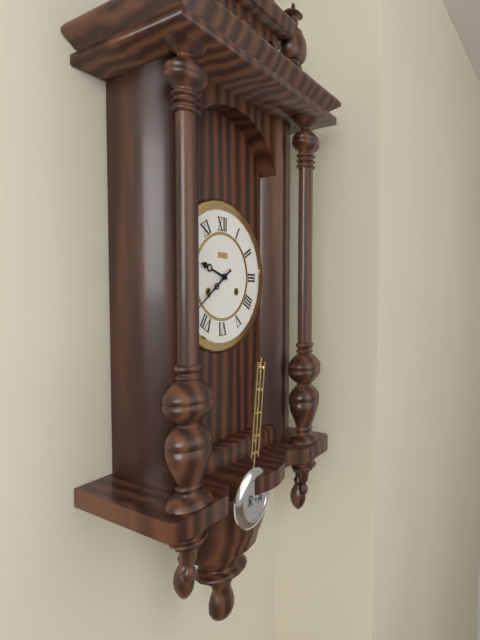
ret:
9,39
